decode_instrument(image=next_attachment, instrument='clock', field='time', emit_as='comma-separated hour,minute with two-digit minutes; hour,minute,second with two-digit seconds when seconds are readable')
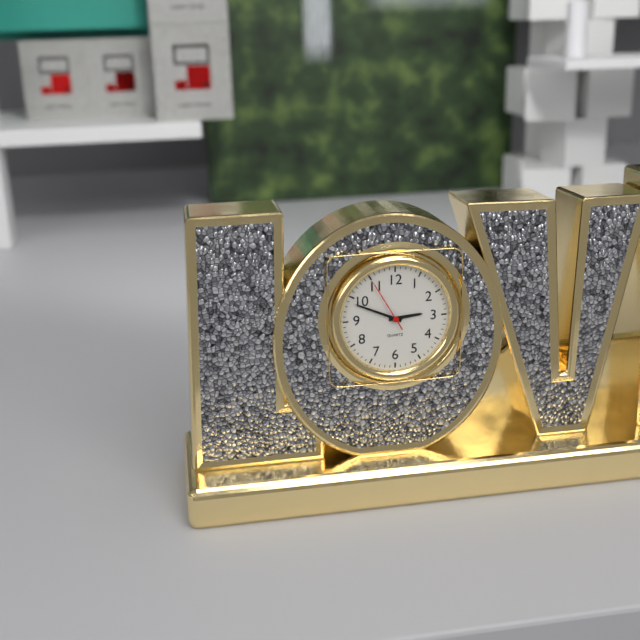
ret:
2,49,55
